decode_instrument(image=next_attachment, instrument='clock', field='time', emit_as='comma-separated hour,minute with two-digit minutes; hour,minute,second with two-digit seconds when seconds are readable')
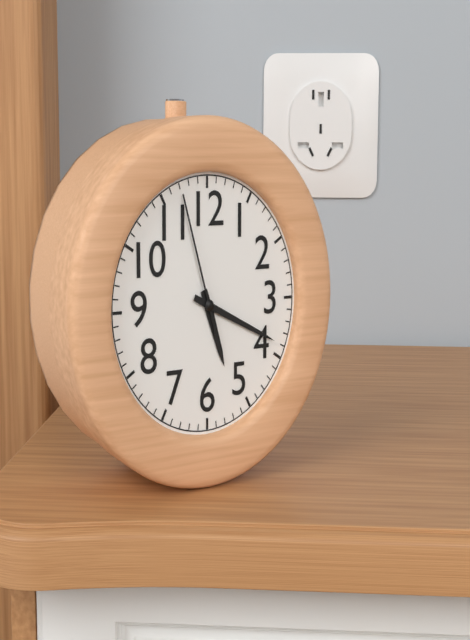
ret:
5,19,57
